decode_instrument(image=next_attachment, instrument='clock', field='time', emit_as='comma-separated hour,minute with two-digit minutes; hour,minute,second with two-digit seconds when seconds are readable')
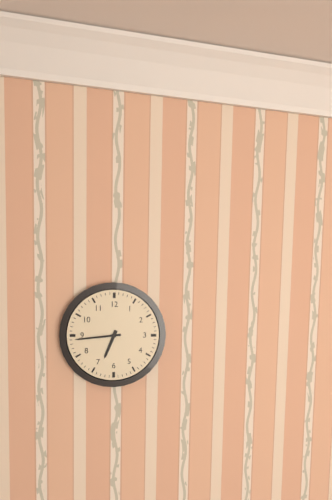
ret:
6,44
